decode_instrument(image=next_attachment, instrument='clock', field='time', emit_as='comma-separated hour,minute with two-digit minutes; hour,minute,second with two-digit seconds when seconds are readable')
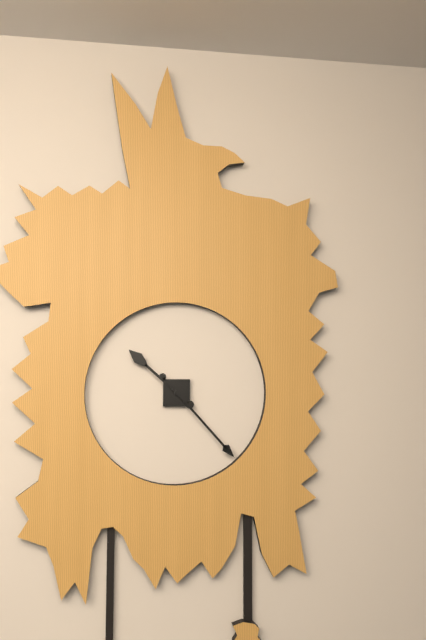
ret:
10,23
